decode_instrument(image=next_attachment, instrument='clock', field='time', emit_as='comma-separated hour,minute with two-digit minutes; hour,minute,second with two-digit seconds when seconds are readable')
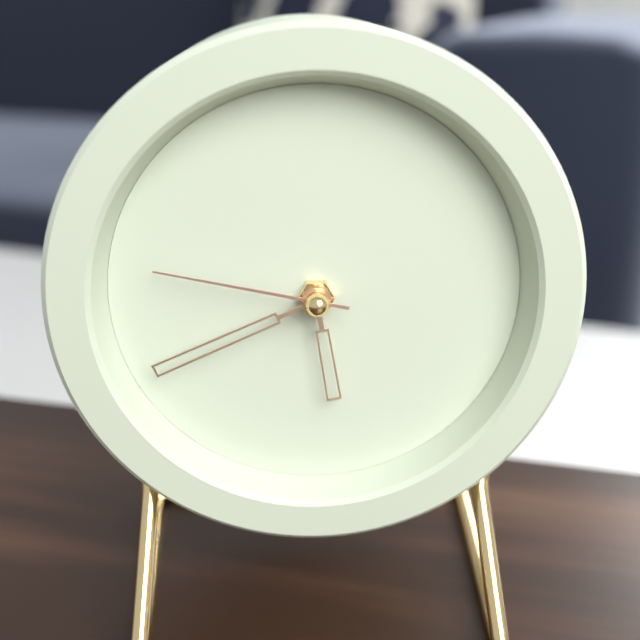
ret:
5,41,47
